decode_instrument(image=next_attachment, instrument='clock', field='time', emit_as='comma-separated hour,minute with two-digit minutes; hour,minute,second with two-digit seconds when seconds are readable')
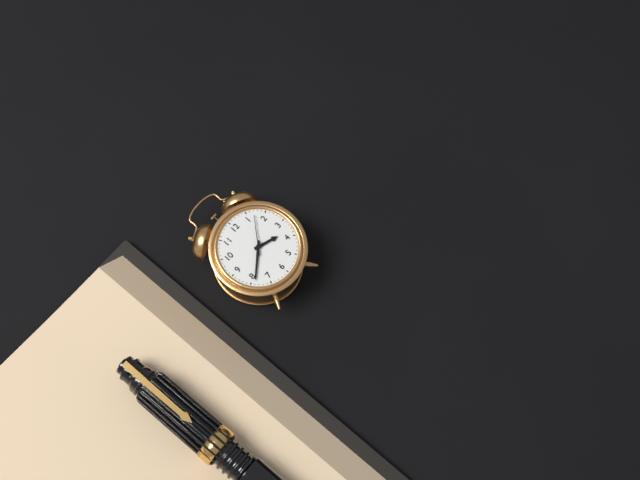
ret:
3,39
